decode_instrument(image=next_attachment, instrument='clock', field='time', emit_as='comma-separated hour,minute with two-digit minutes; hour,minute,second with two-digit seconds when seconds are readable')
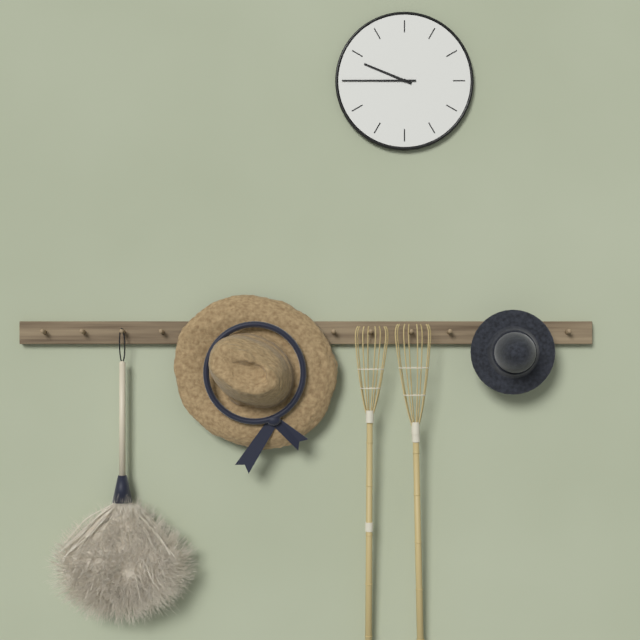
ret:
9,45
